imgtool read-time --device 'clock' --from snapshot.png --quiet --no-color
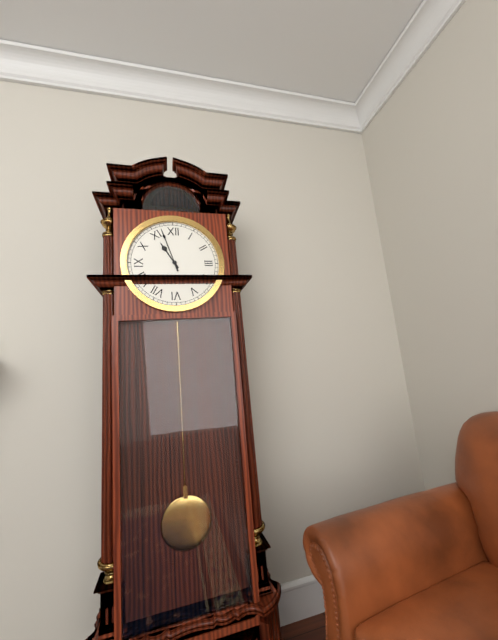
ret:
10:57
